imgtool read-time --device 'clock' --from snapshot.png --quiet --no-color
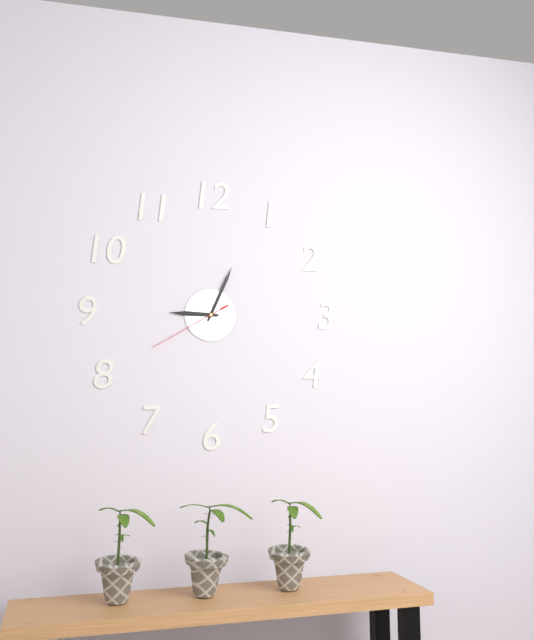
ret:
9:04:40
